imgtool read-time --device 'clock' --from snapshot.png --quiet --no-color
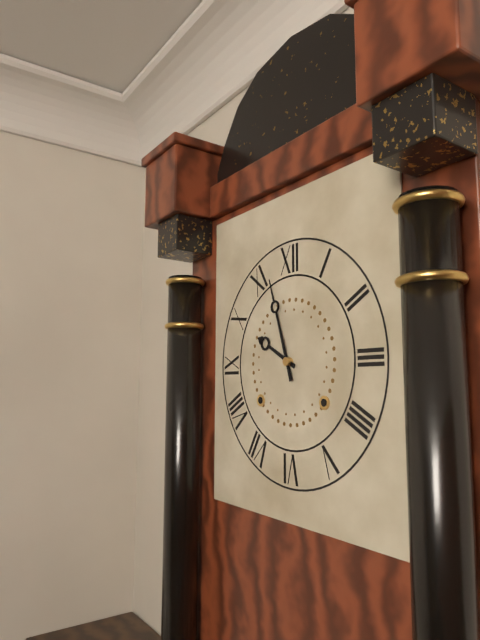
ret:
9:57
